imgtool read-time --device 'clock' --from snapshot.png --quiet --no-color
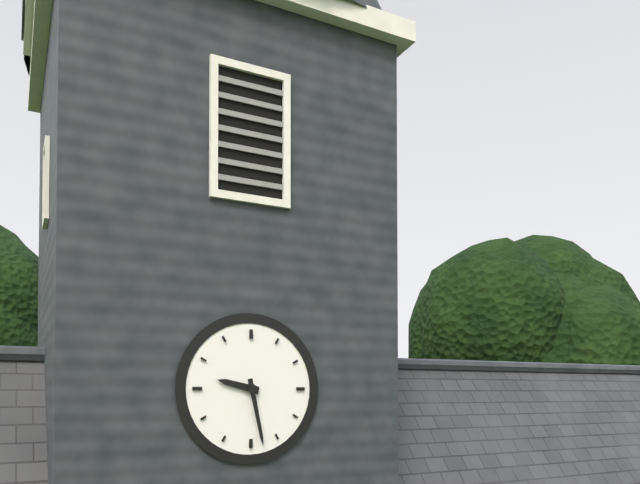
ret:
9:28
